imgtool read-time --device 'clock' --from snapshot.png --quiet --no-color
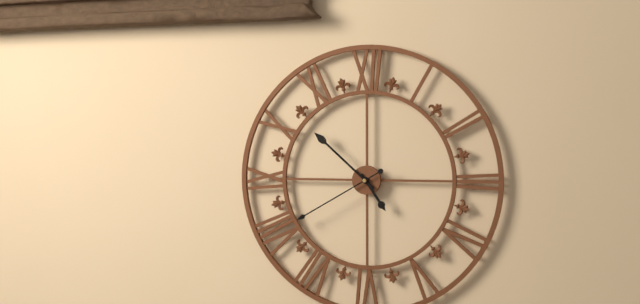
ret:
4:52:40
